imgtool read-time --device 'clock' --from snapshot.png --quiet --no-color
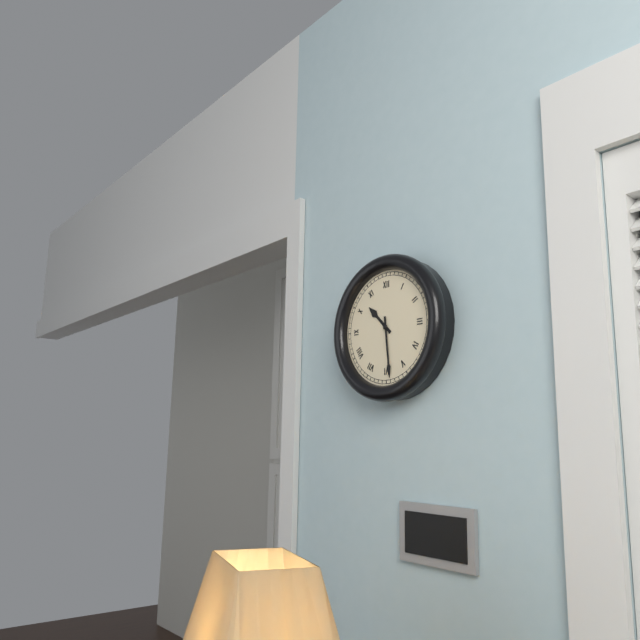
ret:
10:29
